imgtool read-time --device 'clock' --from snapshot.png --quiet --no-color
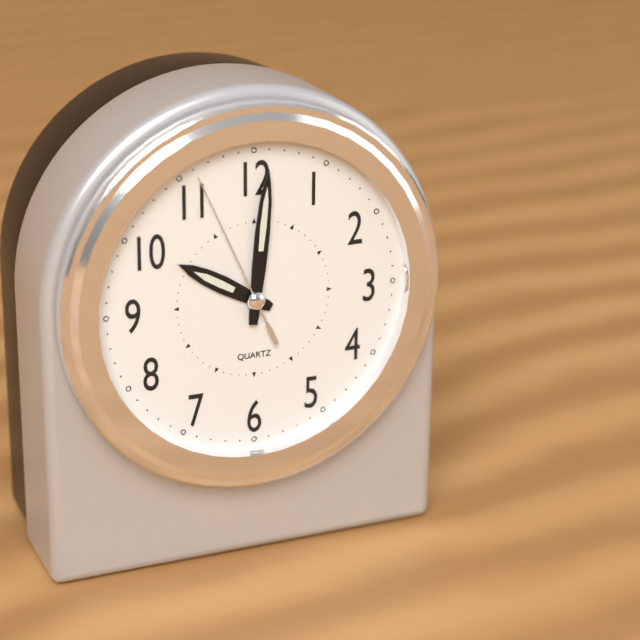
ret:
10:01:56
